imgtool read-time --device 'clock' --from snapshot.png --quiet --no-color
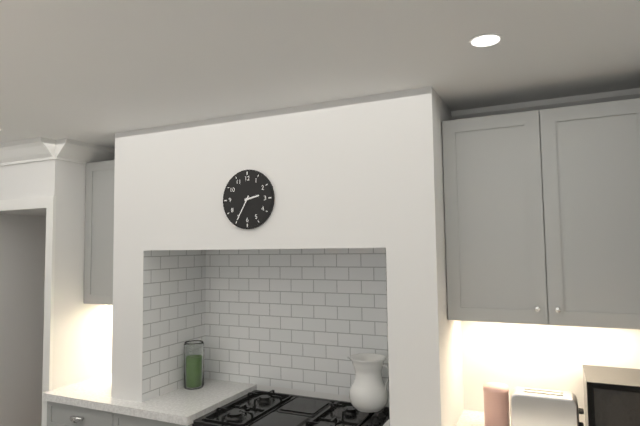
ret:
2:35
